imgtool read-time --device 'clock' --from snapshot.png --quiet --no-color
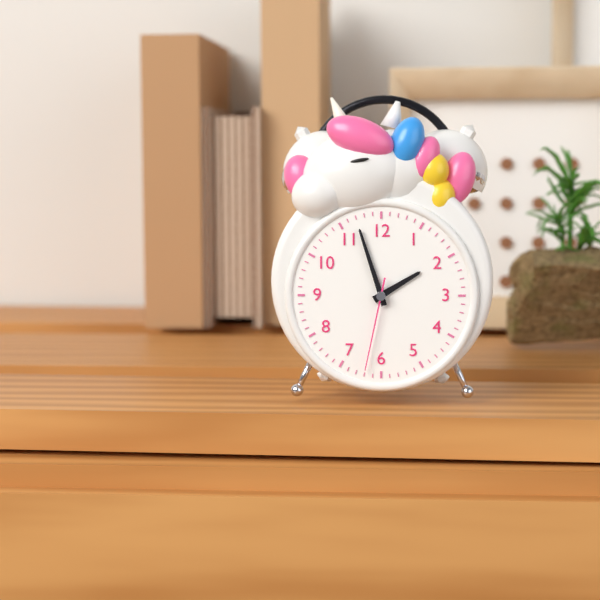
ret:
1:57:32
